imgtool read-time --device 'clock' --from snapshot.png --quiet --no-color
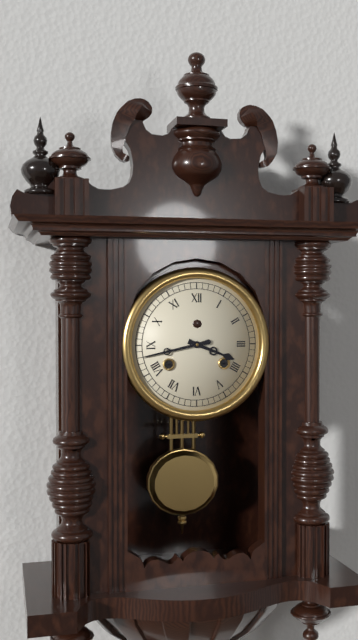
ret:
3:43
